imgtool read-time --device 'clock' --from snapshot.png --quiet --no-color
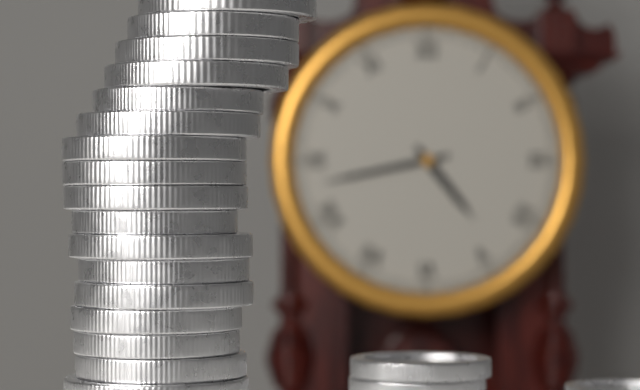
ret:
4:43
